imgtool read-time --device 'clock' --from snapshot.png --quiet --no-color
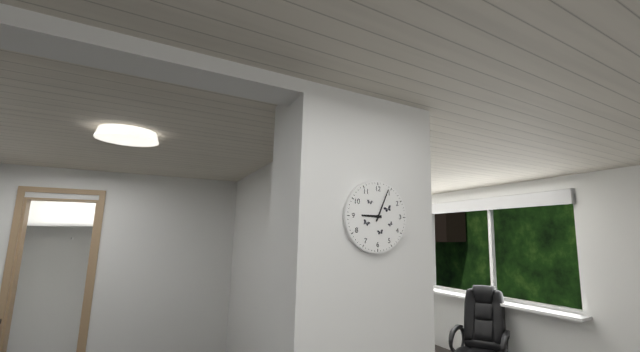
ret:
9:04
